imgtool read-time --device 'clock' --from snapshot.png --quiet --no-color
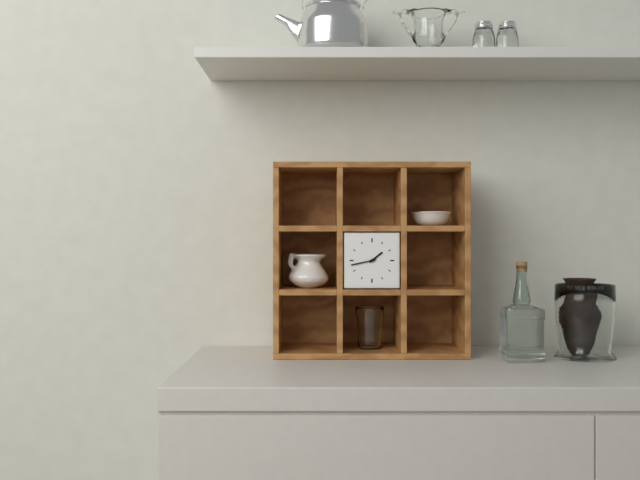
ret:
1:43
